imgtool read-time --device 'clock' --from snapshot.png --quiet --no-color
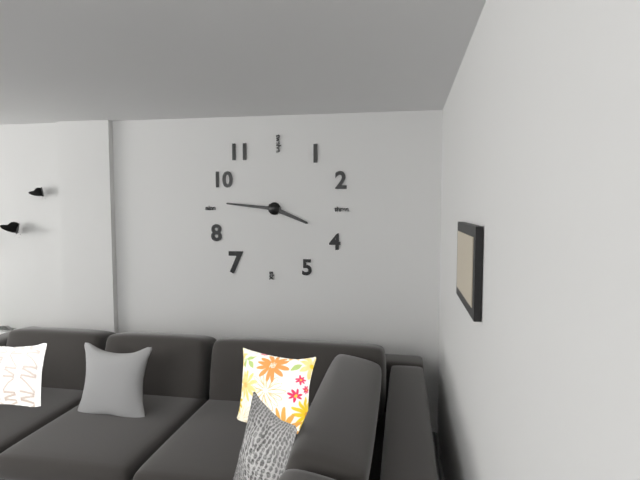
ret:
3:46
